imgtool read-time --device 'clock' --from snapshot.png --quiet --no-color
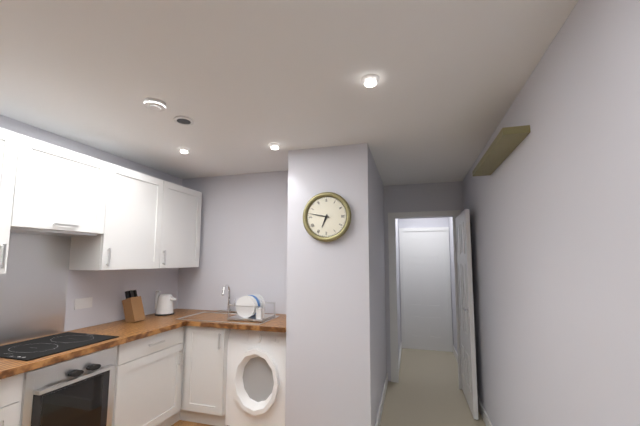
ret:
6:47
